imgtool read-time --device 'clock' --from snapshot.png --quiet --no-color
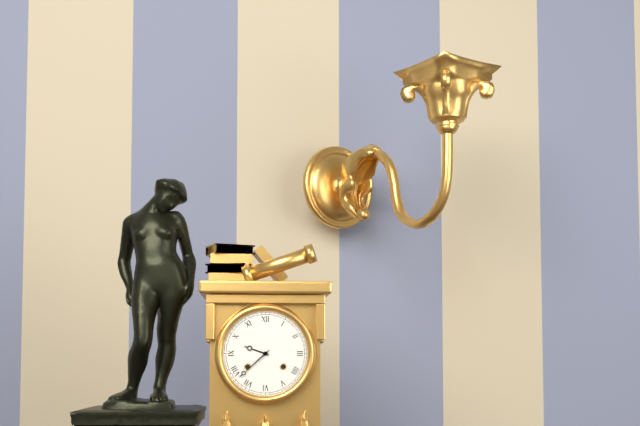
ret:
9:38
